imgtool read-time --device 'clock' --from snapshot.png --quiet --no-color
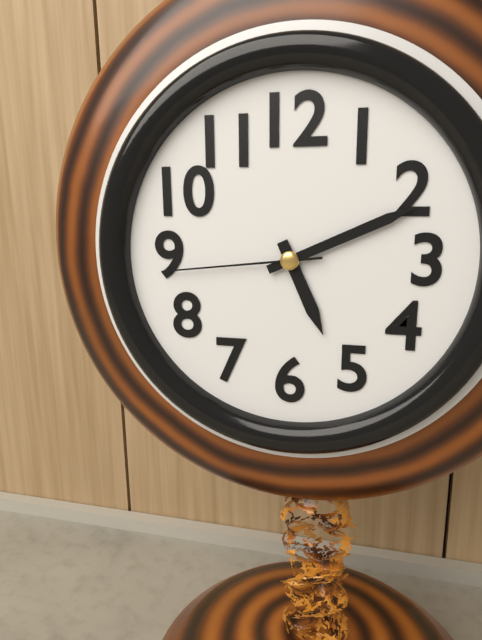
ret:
5:11:44
